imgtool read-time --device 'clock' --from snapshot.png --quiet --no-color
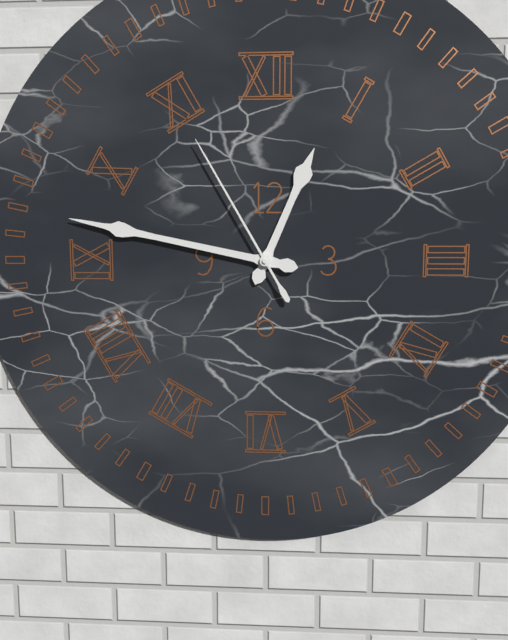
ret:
12:47:55
